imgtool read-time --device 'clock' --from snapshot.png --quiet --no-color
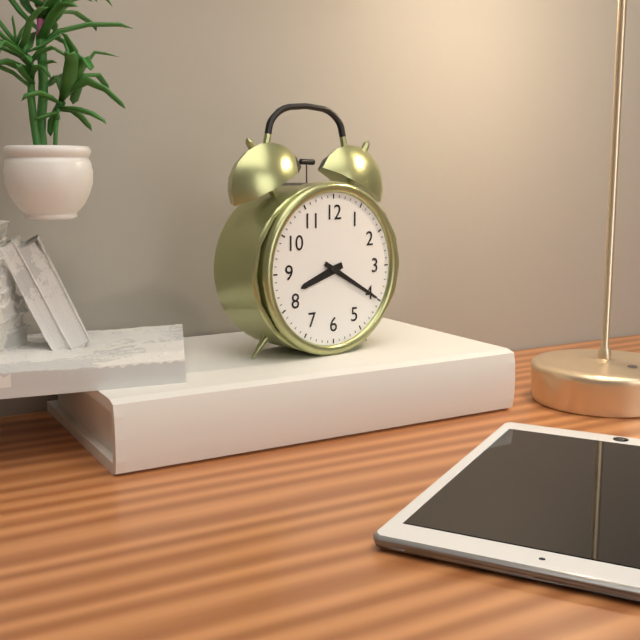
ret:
8:20
